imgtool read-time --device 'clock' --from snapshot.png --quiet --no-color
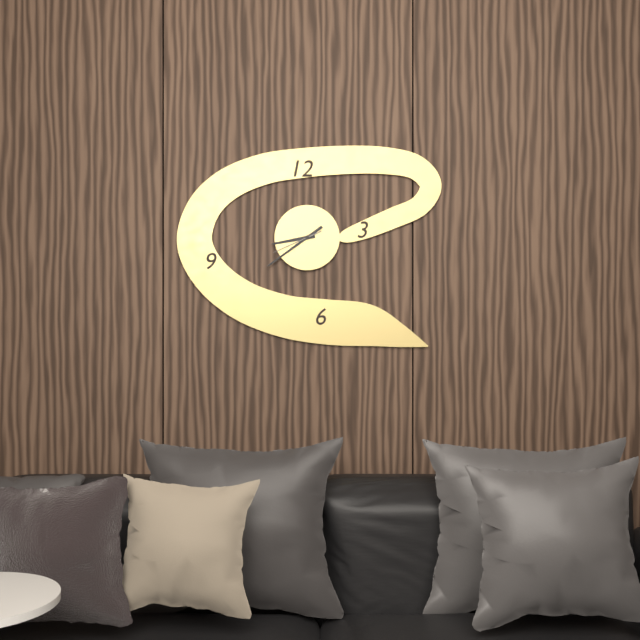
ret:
8:39
